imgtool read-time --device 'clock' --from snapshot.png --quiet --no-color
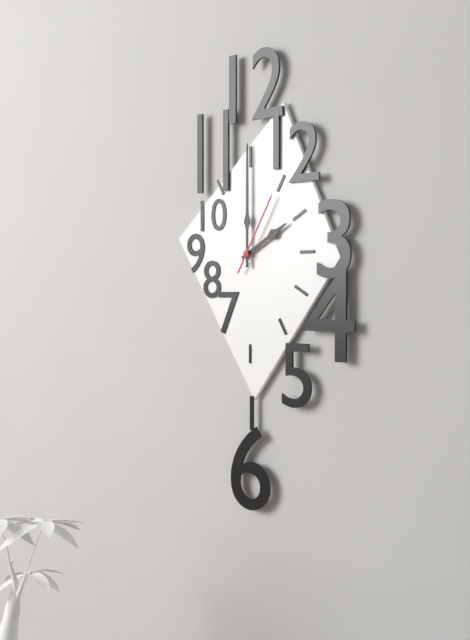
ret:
2:00:05
